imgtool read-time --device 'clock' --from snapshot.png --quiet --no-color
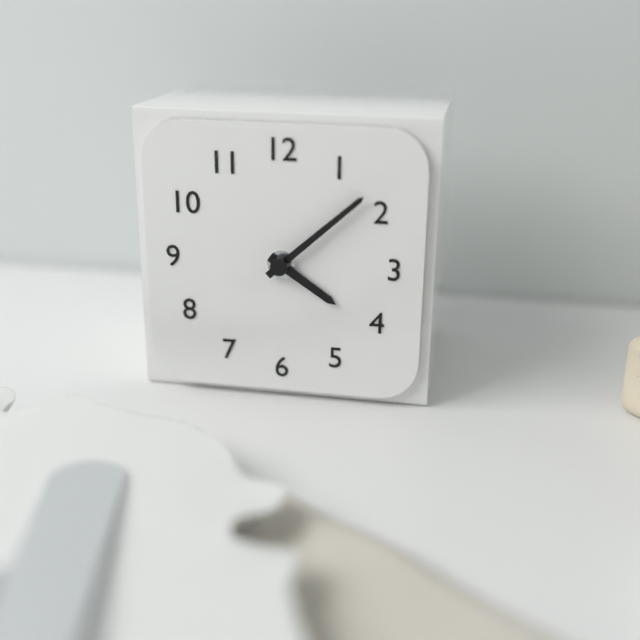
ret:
4:08
